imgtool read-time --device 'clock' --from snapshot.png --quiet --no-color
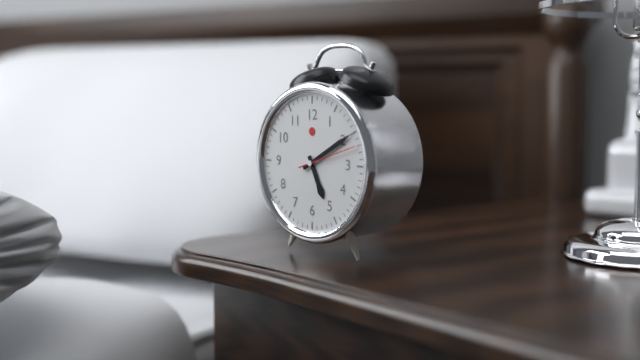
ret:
5:10:12
